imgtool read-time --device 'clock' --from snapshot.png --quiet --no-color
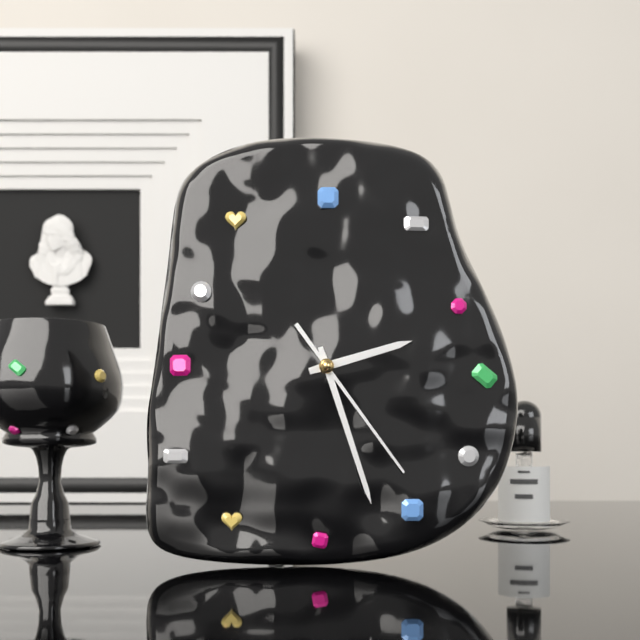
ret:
2:27:24
